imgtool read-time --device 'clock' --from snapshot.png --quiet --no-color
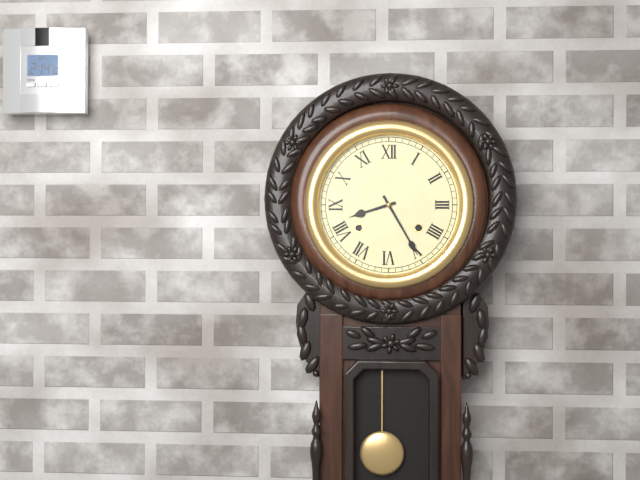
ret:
8:25
